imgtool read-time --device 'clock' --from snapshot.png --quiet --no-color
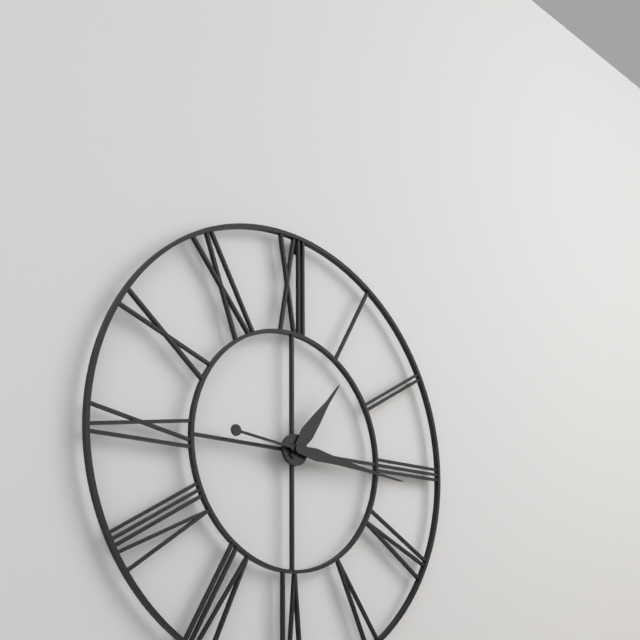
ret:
1:16
